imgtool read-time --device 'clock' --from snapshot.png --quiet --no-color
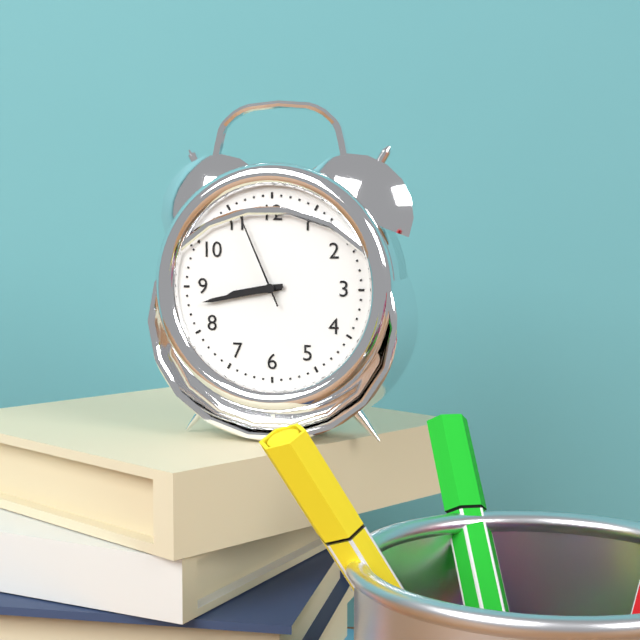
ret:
8:43:56
